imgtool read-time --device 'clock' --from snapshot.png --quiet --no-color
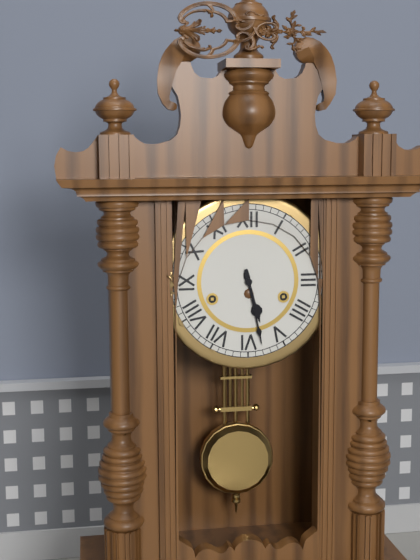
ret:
5:28
